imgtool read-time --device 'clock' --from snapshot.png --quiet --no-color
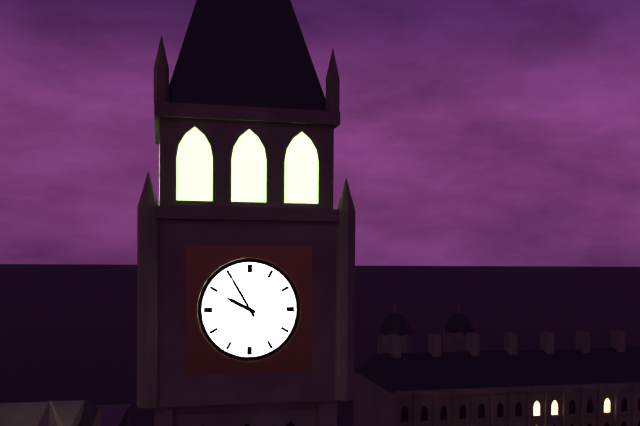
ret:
9:55
